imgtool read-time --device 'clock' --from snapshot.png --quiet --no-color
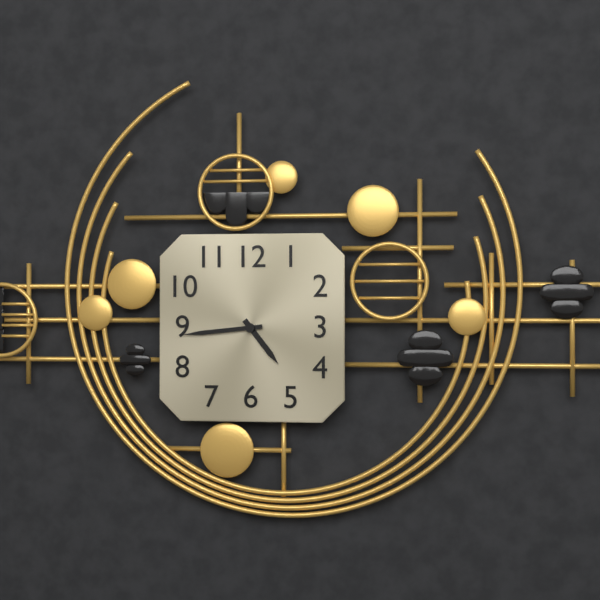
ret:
4:44
